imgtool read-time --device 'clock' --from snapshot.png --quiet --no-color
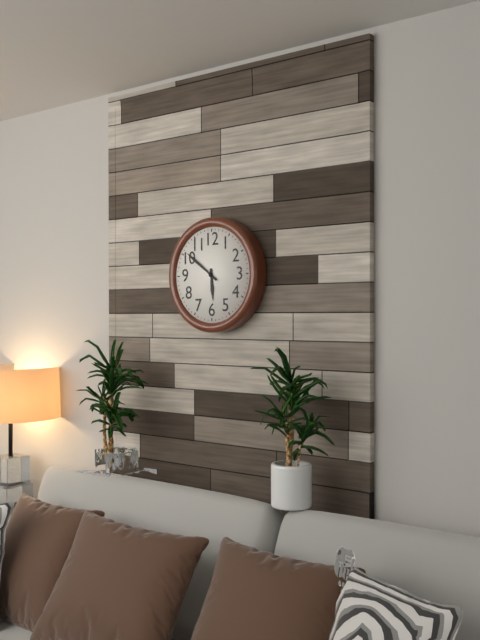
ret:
5:51
